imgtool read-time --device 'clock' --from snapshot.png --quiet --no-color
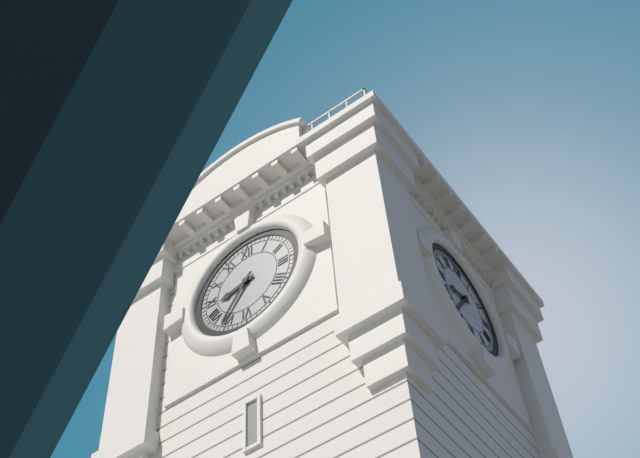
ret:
8:36
